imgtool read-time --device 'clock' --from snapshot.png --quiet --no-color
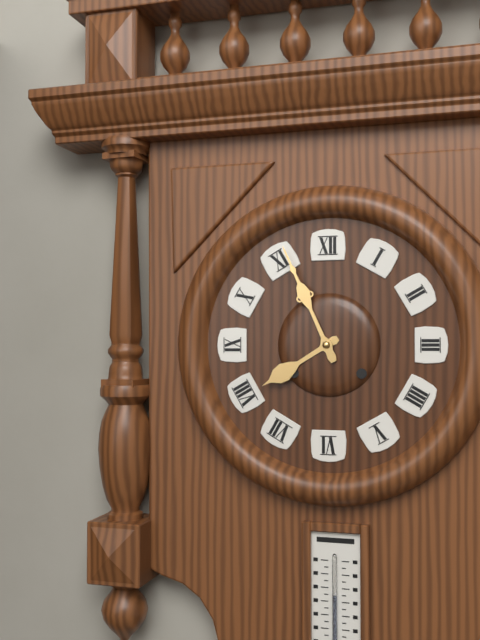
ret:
7:56
